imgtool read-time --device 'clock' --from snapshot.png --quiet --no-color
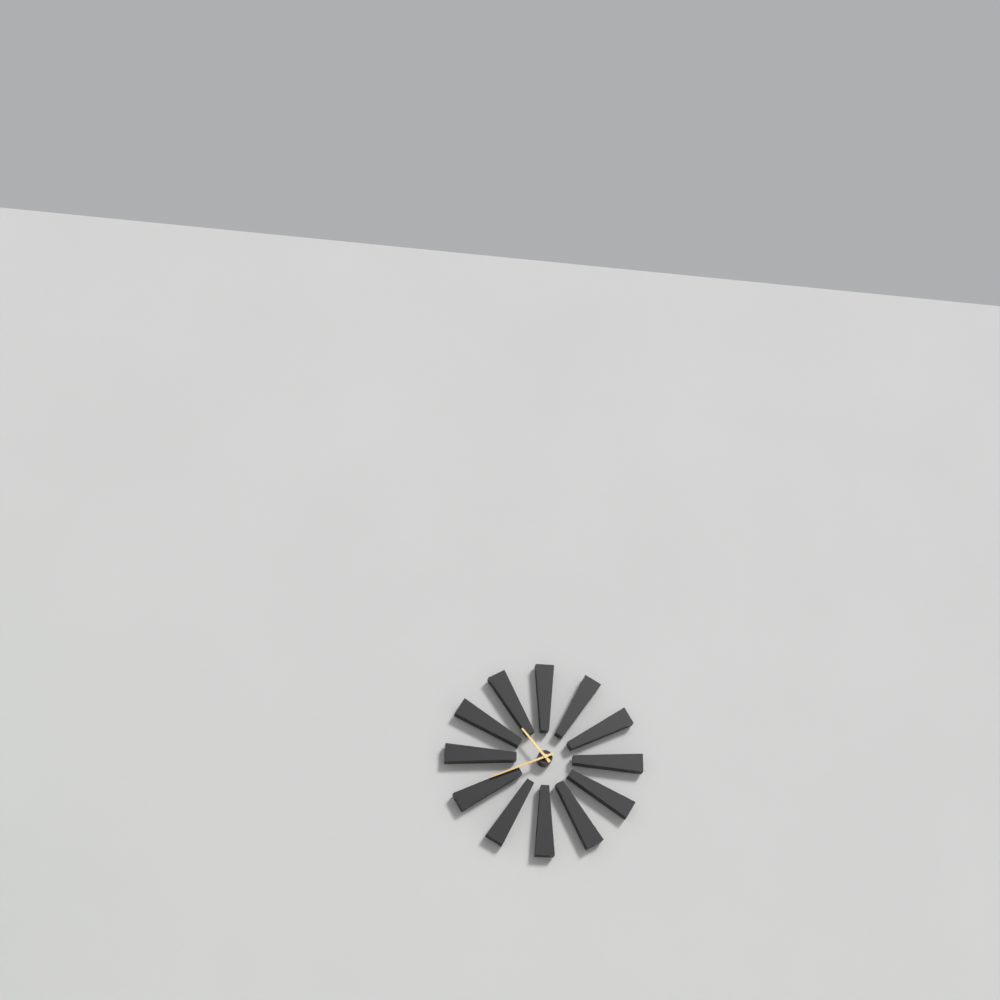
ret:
10:41
